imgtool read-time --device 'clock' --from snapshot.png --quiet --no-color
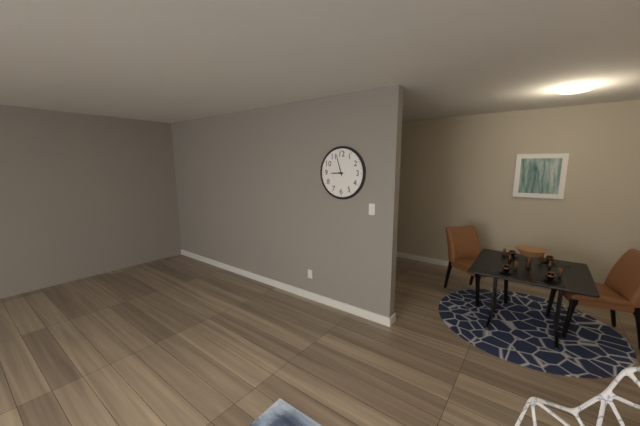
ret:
8:57
